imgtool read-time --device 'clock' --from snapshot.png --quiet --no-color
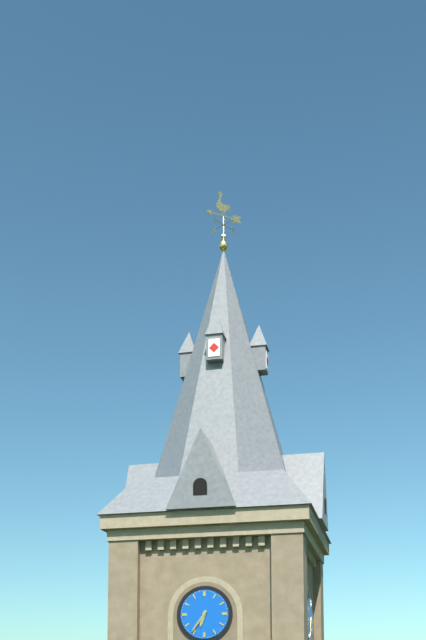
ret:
6:36
